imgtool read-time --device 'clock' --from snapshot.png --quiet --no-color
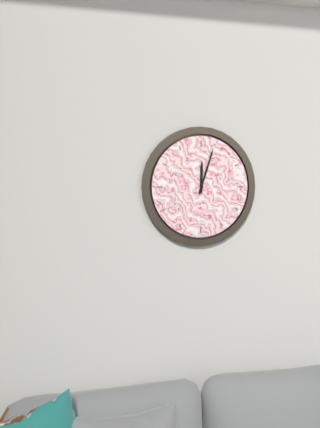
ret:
12:03
